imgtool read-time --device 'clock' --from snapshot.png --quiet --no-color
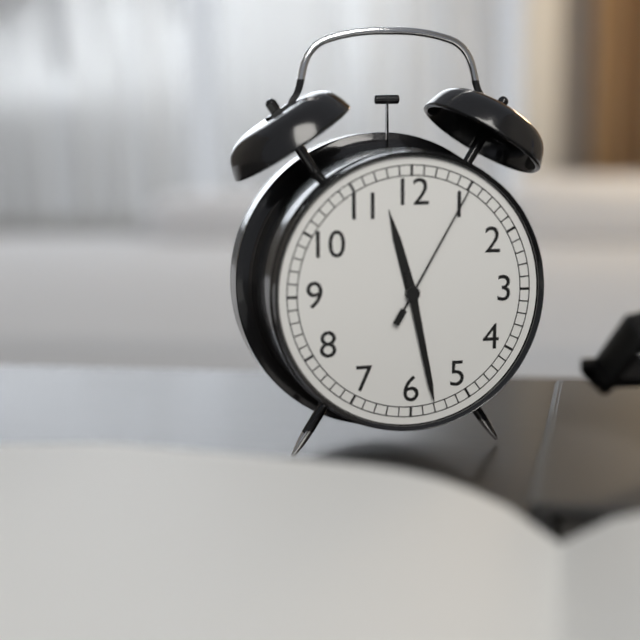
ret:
11:28:05
